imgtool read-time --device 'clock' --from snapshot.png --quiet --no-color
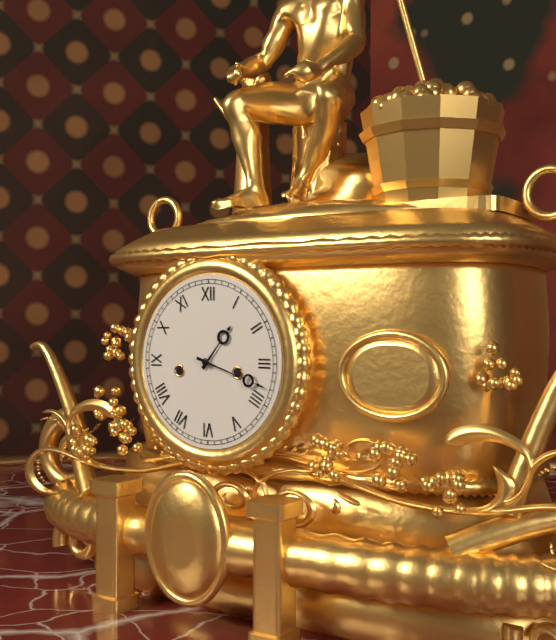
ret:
1:18
